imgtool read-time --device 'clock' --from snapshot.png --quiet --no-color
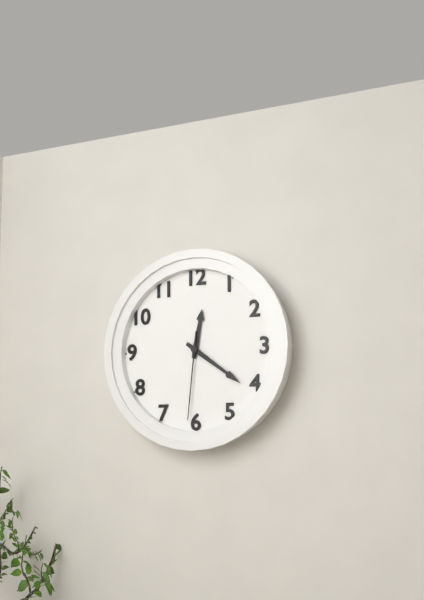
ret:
12:21:31
